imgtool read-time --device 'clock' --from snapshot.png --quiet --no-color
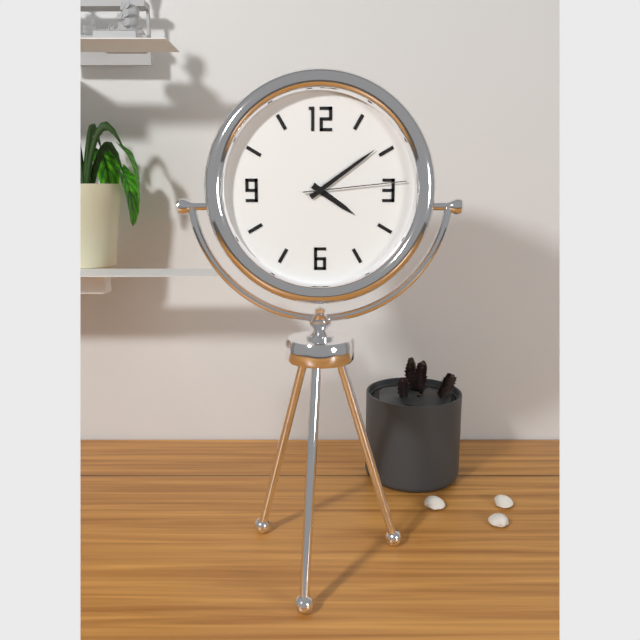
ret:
4:09:14
